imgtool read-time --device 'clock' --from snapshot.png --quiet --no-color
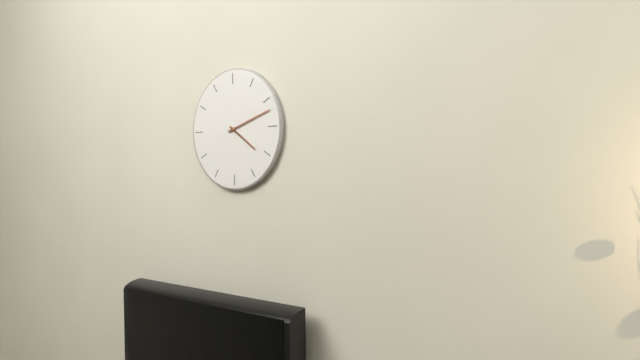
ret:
4:12
